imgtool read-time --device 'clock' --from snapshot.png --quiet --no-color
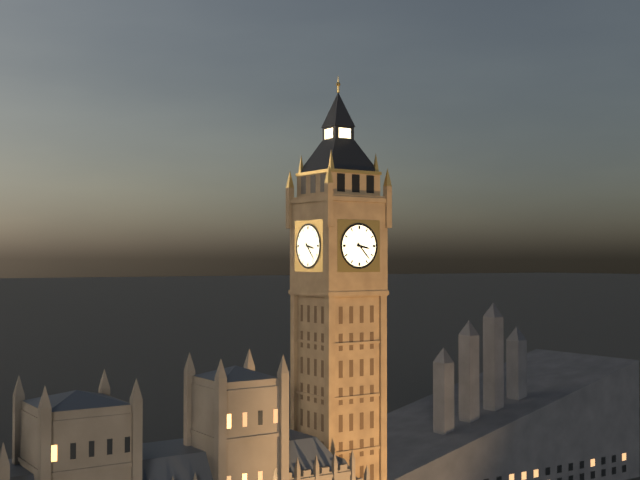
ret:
3:23
